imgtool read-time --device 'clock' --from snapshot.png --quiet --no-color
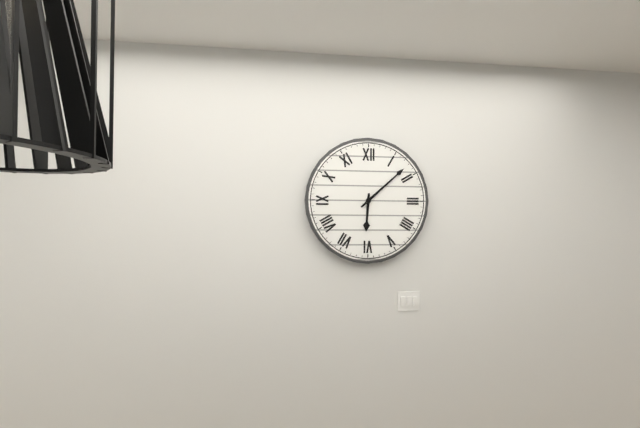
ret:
6:08
